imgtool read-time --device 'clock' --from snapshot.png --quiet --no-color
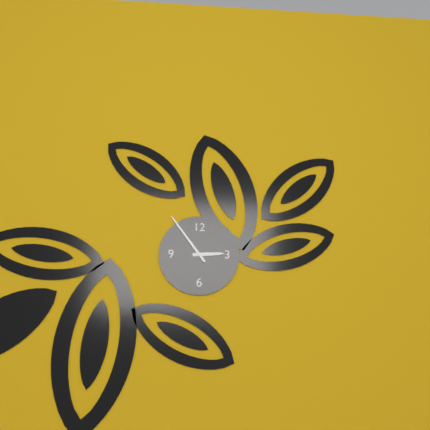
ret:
2:54
